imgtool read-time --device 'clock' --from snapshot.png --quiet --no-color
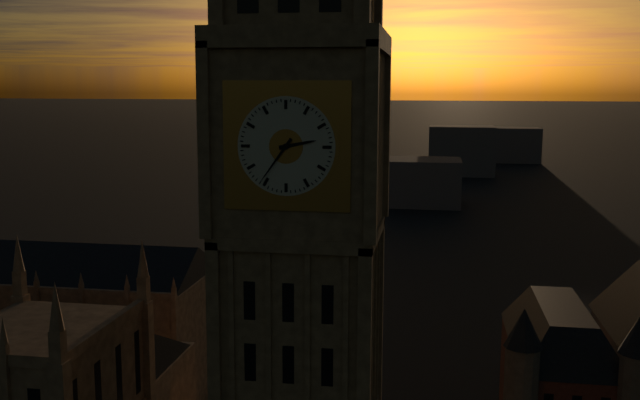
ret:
2:36
